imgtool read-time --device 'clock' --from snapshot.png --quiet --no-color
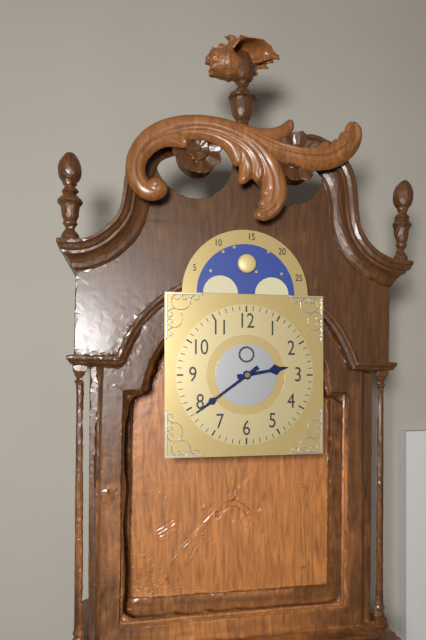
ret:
2:39
